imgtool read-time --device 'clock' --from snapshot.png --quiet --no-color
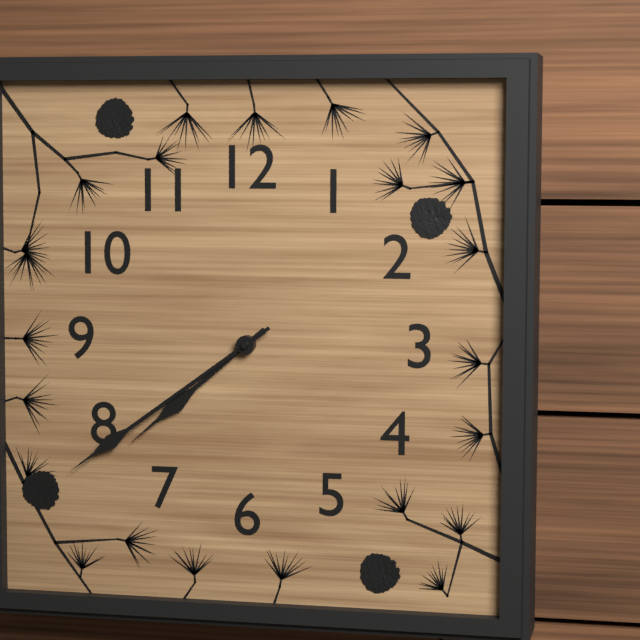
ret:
7:39
